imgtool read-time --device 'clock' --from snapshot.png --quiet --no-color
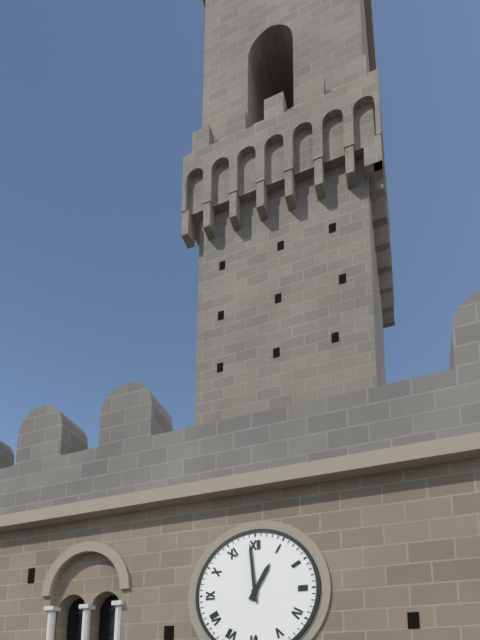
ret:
12:59
